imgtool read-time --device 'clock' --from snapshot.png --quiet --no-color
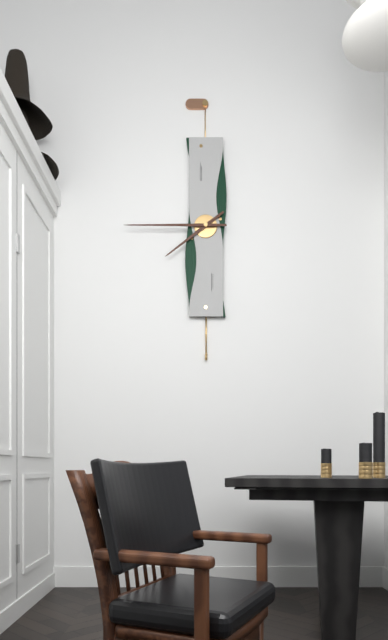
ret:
7:45
